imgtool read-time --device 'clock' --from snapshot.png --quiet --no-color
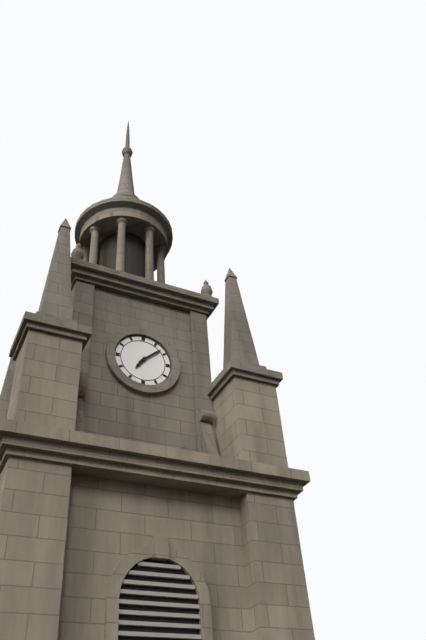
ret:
7:08
